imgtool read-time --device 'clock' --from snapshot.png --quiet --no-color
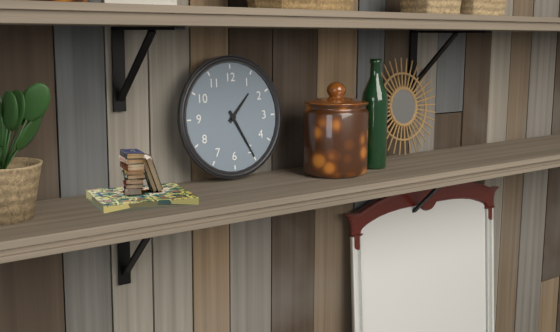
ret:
1:25
